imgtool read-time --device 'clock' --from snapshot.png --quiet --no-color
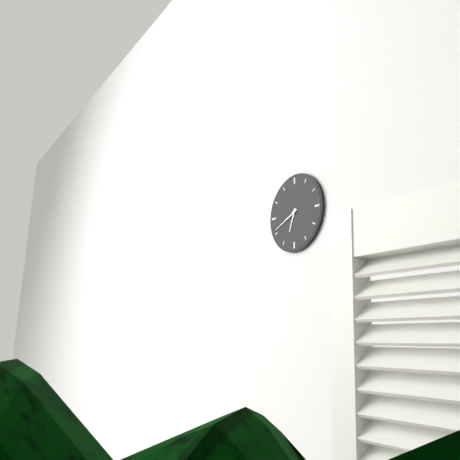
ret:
6:41
